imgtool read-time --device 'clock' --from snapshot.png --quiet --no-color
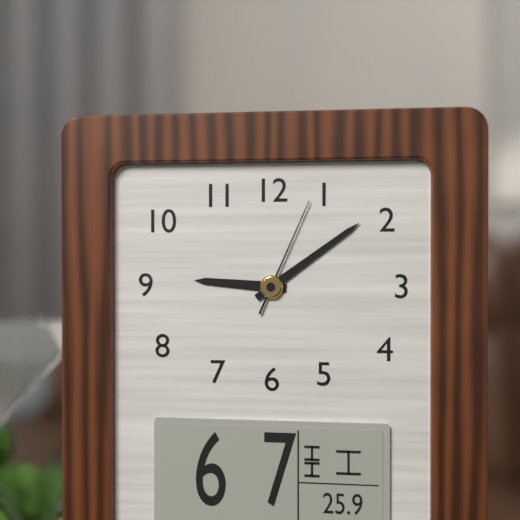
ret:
9:09:04
